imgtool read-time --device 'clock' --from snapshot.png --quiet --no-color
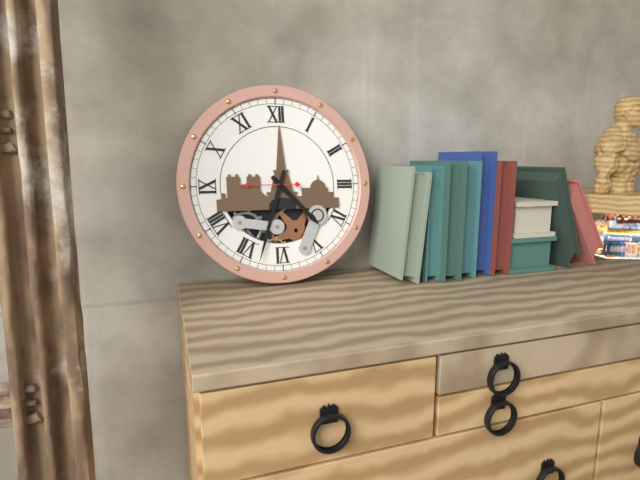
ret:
4:33:45
